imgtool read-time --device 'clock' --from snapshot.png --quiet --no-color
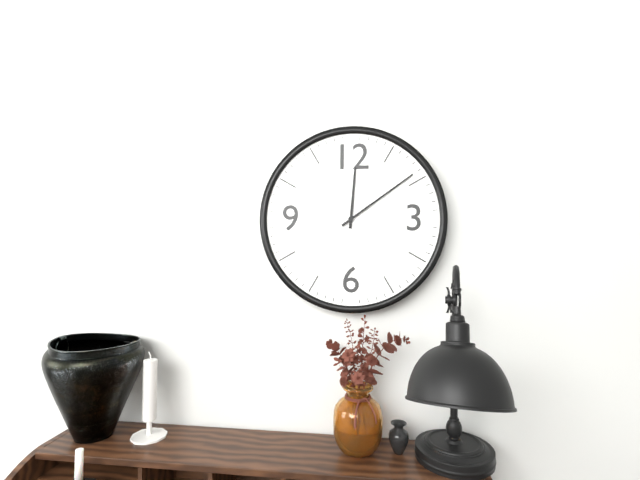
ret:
12:09
